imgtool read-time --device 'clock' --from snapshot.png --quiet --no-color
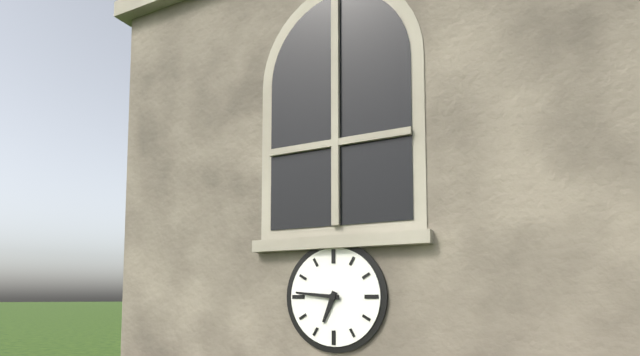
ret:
6:46
